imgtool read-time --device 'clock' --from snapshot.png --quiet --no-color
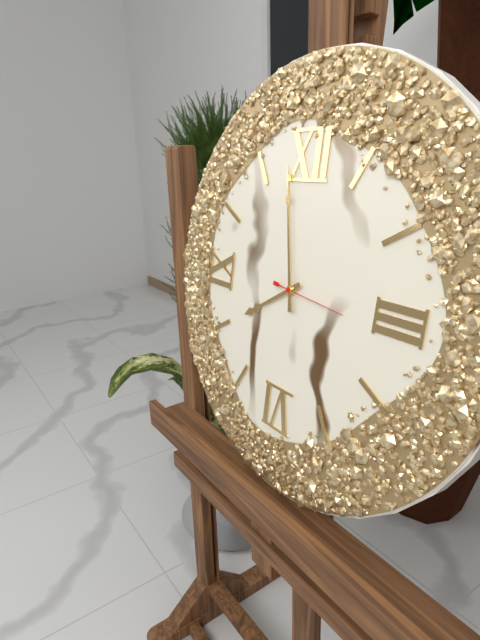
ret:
7:58:16
